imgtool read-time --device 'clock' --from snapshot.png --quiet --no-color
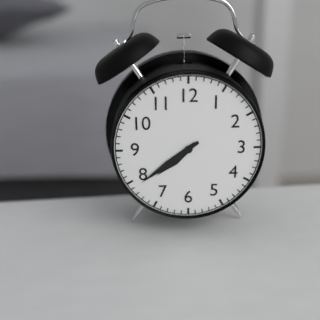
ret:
7:39
